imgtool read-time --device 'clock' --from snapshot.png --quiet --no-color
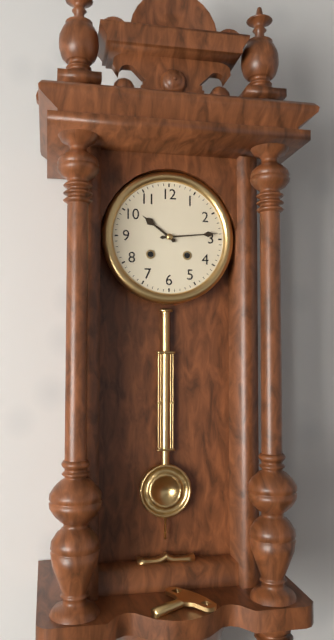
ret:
10:14
